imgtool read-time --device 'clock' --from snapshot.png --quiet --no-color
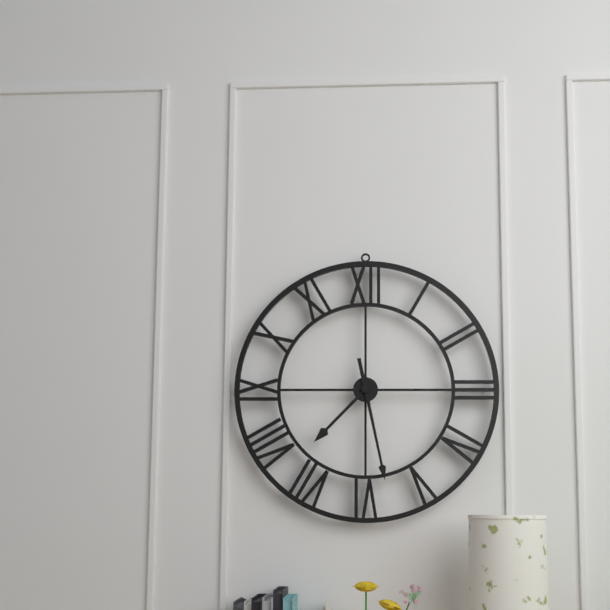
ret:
7:28
